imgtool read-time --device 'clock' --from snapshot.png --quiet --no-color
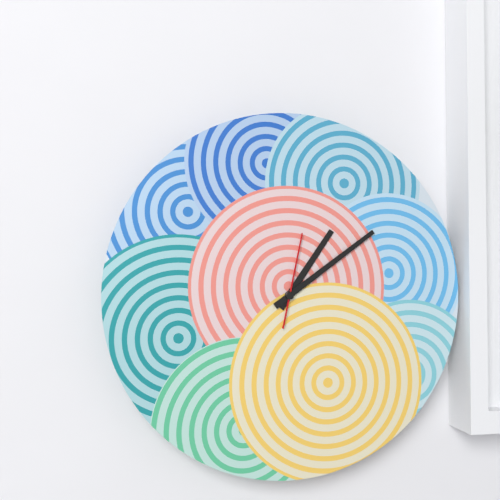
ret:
1:09:02
